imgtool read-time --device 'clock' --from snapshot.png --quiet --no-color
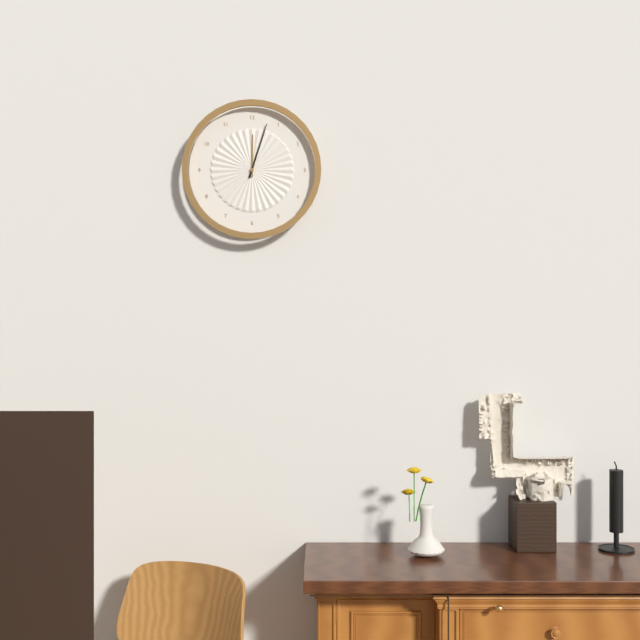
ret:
12:03
